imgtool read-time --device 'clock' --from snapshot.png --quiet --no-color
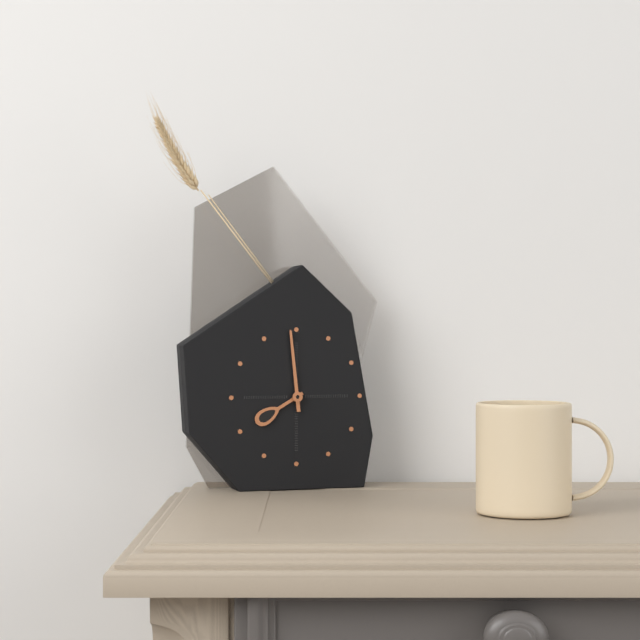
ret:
7:59
